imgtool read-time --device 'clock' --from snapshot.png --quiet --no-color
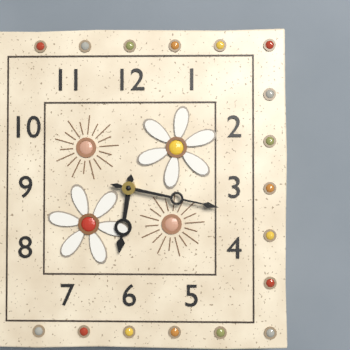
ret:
6:17
